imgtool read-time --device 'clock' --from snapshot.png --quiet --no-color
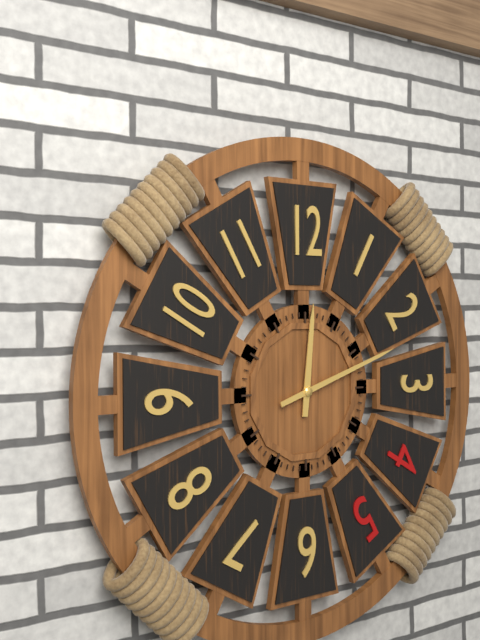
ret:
12:12
